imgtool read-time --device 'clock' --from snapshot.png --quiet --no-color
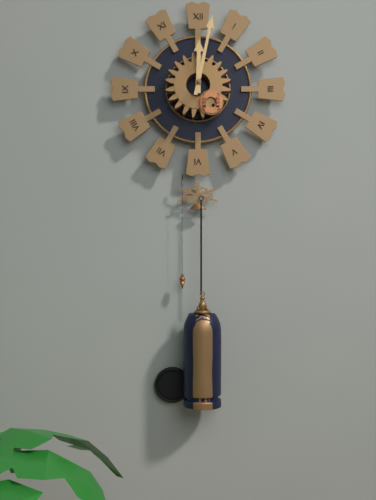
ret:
12:02
